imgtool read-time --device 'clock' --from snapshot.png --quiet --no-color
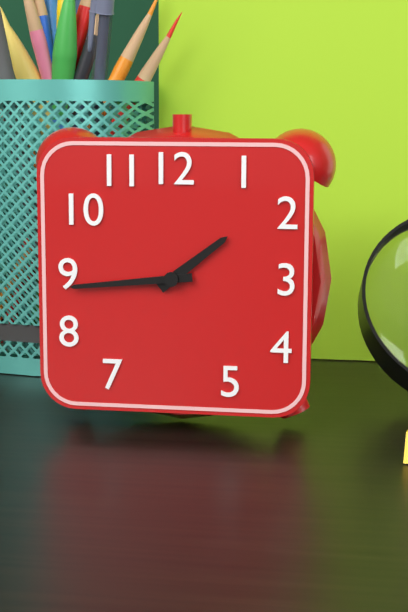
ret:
1:44
